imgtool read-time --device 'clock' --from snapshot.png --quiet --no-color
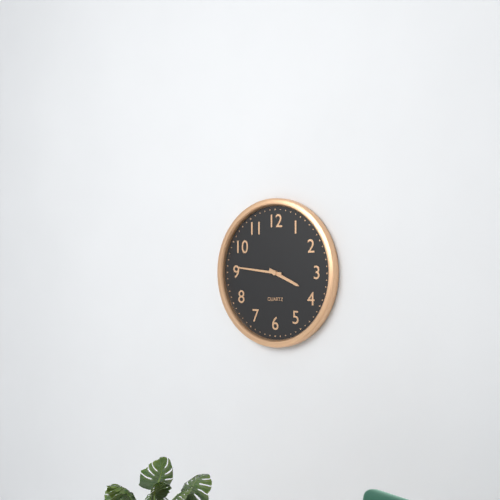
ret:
3:46
